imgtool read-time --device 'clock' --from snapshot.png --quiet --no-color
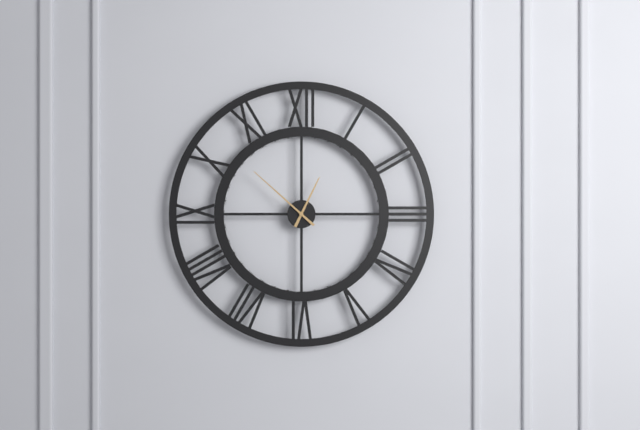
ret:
12:52
